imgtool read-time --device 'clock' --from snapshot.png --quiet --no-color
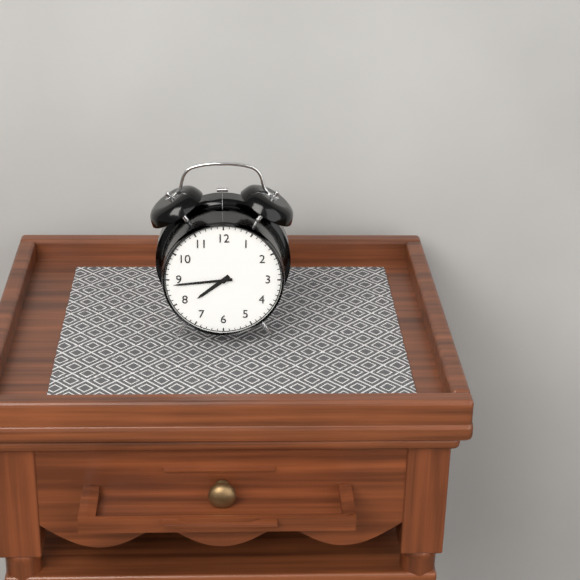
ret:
7:44
